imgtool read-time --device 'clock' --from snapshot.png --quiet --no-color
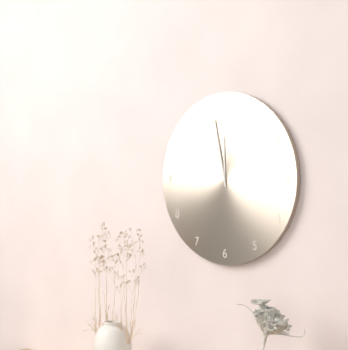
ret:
11:58
